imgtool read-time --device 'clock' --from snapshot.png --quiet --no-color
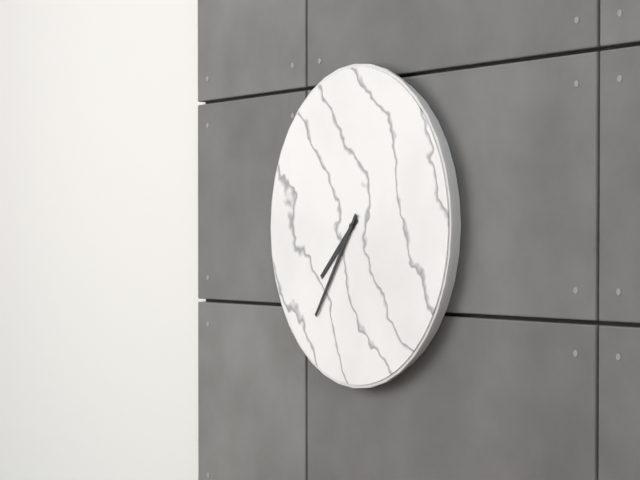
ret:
7:36
